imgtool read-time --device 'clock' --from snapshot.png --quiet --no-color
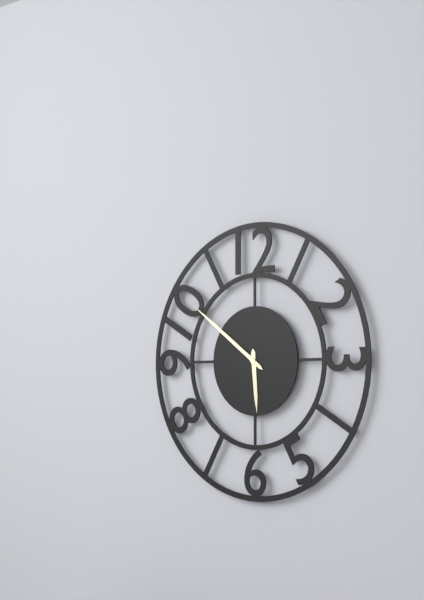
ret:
5:51
